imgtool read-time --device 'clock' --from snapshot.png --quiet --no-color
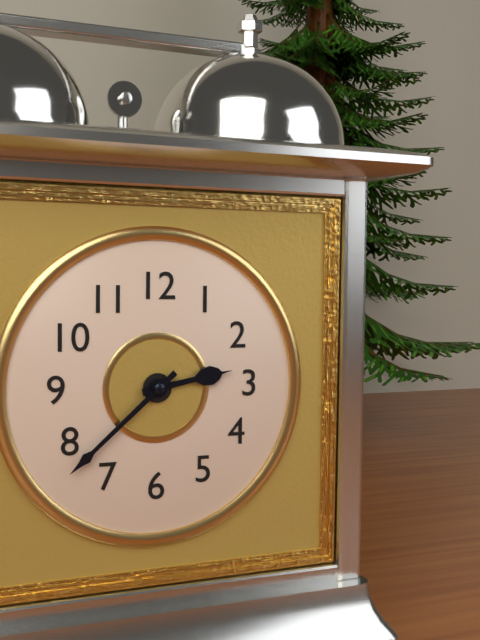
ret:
2:38
